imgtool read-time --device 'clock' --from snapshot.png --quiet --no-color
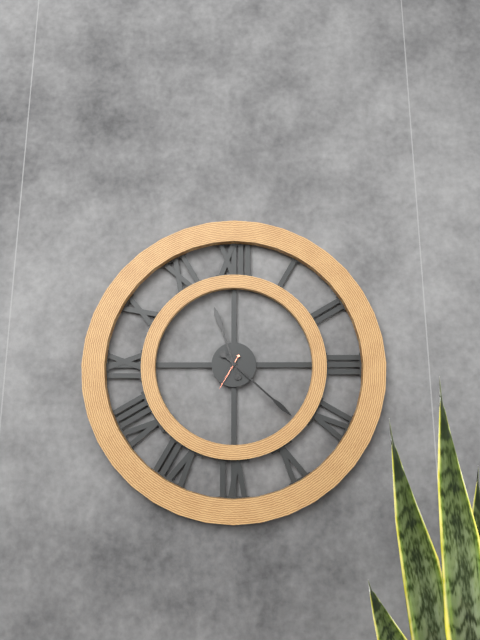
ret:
11:22
